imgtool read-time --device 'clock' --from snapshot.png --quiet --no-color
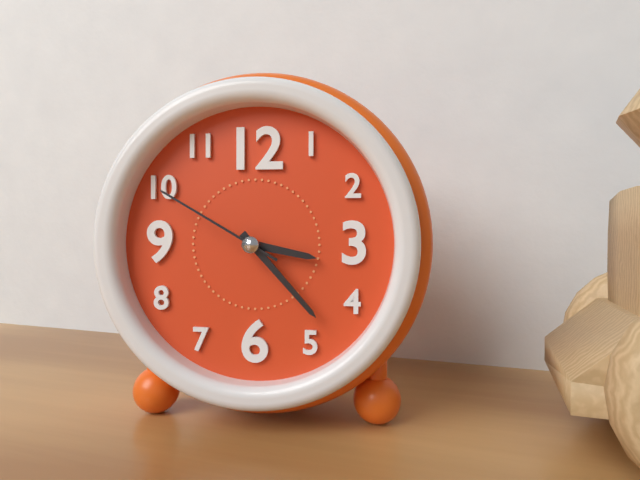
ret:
3:23:50
